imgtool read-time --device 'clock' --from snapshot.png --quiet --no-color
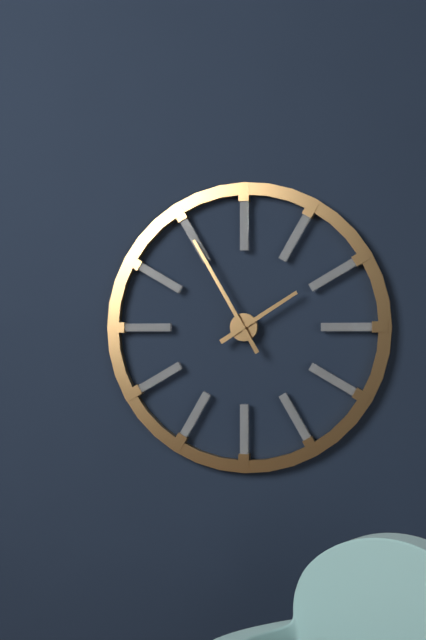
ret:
1:55
